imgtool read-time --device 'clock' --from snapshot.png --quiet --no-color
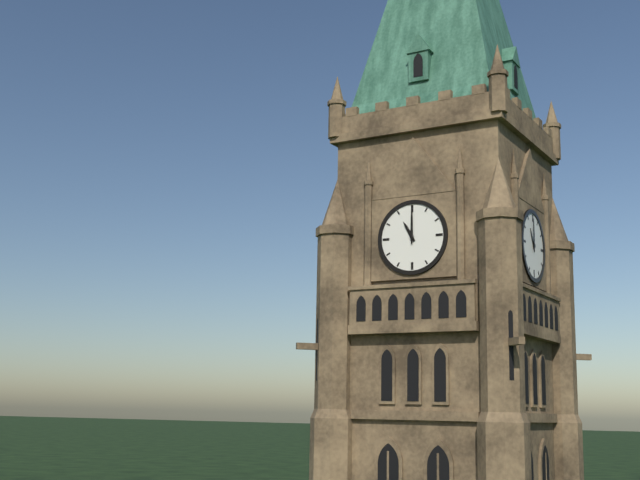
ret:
11:00
